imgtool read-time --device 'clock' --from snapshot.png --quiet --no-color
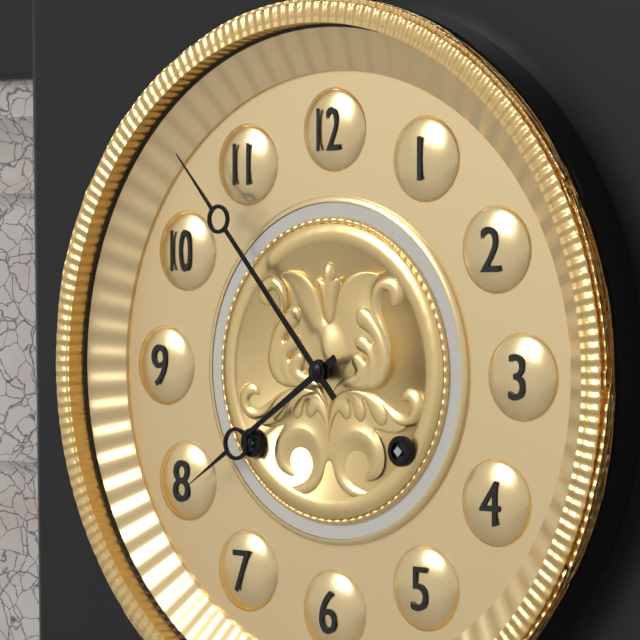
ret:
7:53
